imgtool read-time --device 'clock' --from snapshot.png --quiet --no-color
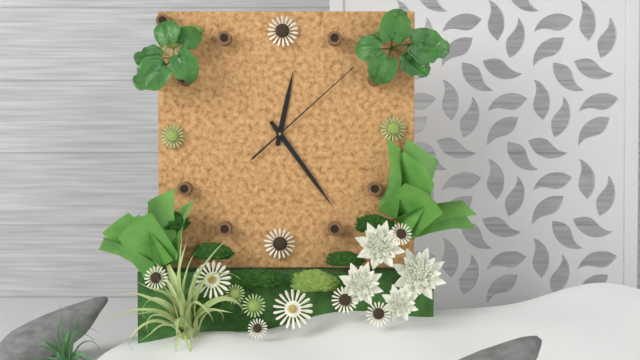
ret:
12:24:08
